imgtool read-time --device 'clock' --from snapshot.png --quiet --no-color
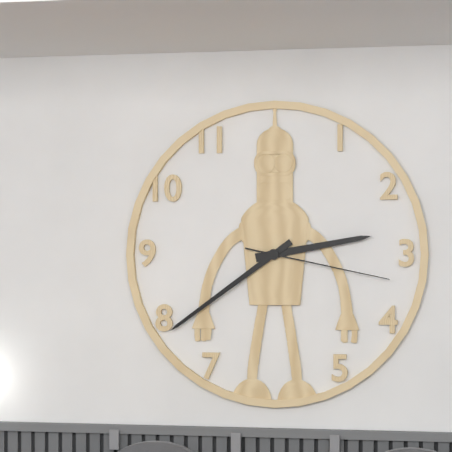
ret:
2:39:17
